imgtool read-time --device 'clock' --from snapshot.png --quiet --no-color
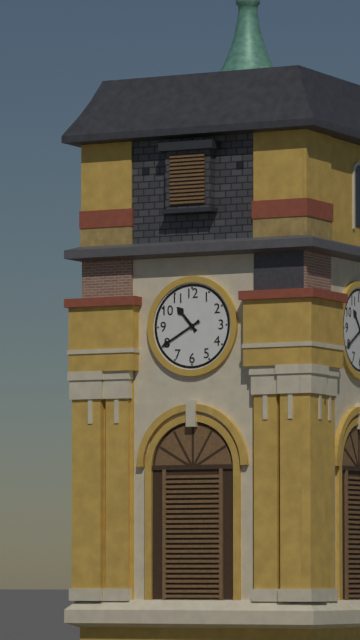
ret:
10:40
